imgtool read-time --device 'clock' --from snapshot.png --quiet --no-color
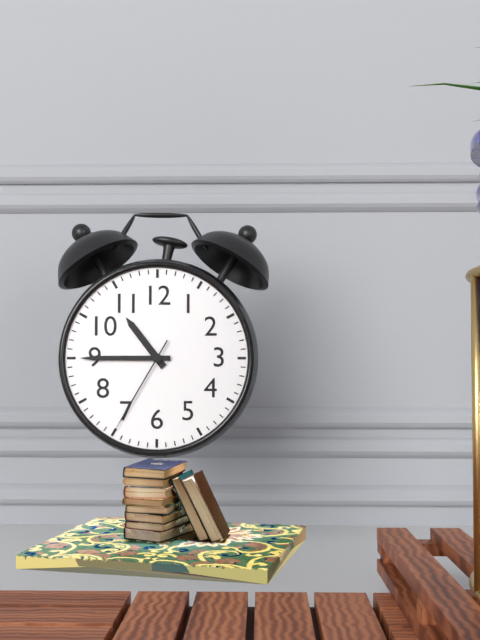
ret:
10:45:35
